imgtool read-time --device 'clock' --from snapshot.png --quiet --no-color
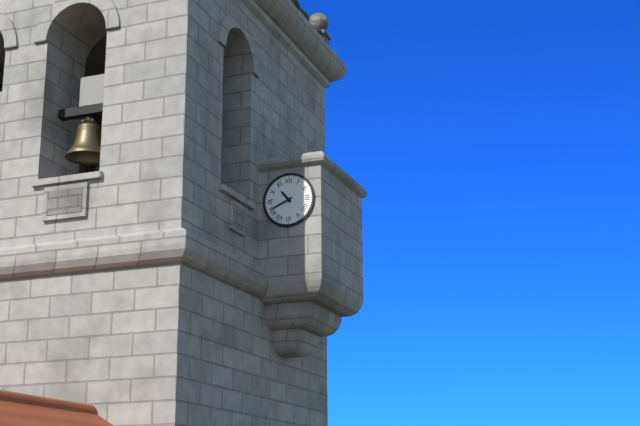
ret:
10:41
